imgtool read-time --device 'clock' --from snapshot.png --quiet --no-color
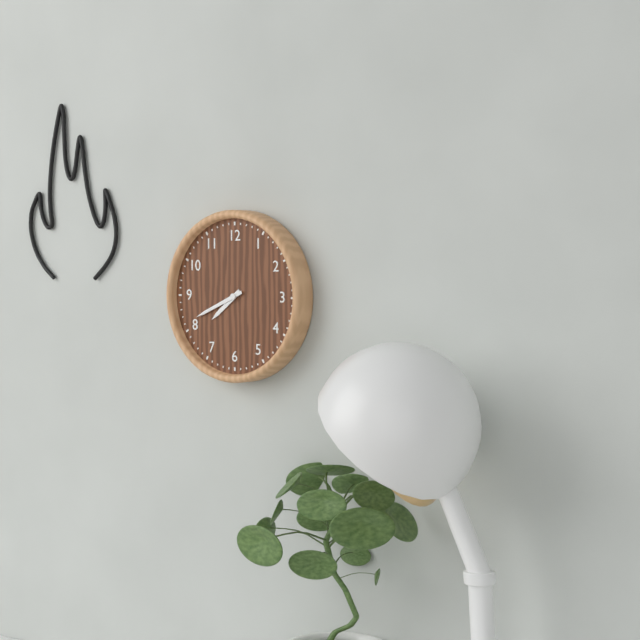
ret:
7:41
